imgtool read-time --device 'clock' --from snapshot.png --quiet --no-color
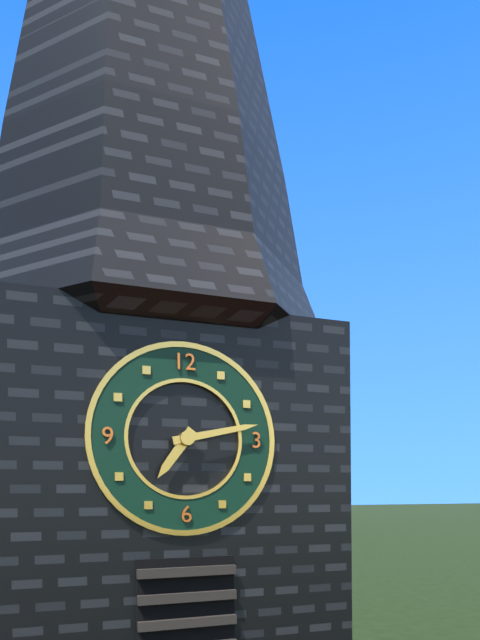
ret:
7:13
